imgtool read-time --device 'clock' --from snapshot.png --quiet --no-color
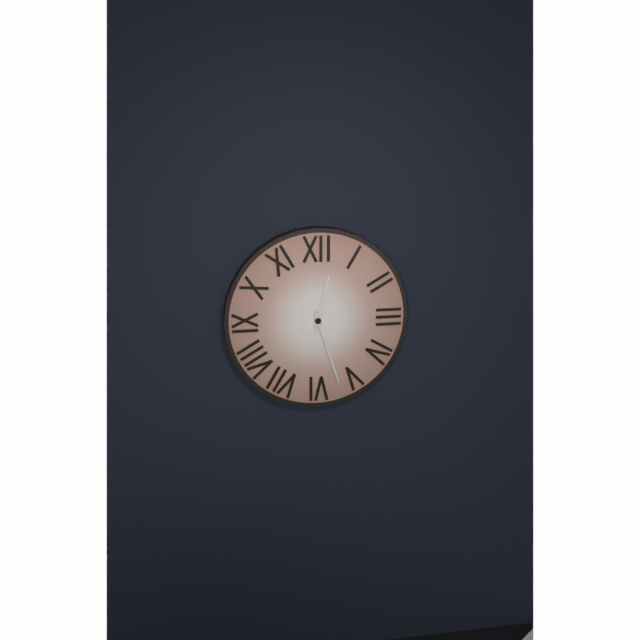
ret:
12:27
